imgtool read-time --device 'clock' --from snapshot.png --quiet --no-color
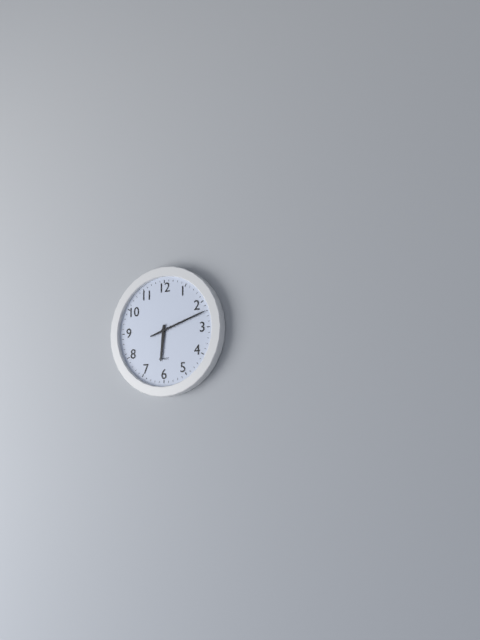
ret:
6:12
